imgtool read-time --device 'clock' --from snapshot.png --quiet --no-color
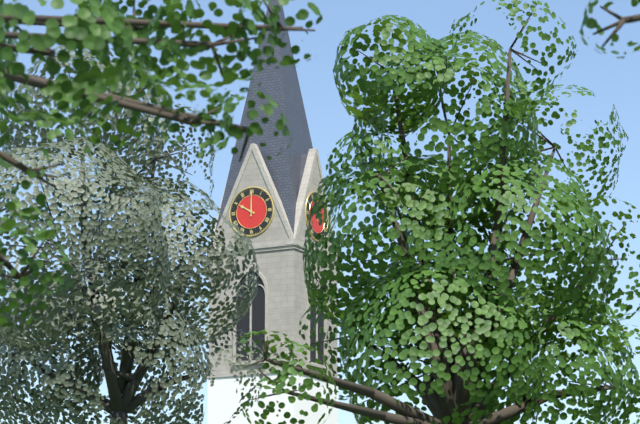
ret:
10:00
